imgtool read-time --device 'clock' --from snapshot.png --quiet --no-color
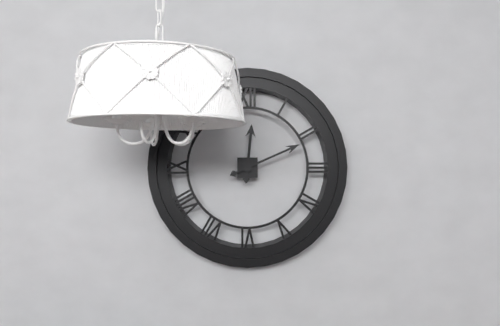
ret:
12:11
